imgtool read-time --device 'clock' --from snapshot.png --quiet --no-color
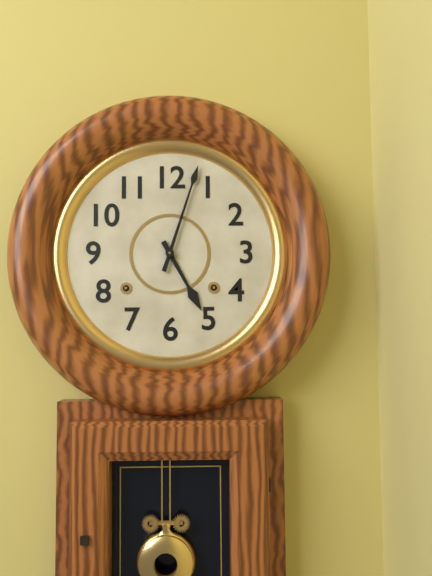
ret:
5:03
